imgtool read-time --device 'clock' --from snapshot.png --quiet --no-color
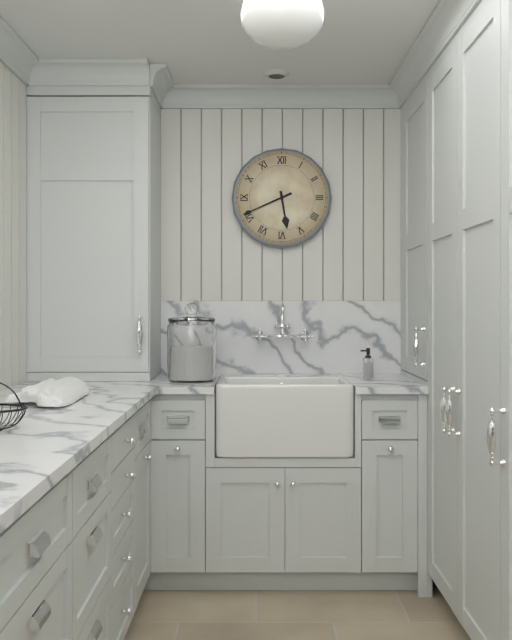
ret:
5:41
